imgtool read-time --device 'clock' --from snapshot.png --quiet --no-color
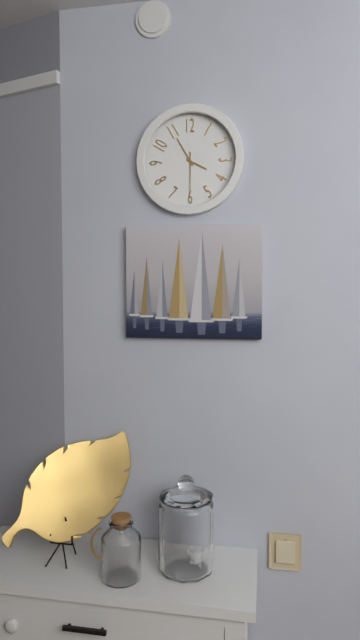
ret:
3:55
